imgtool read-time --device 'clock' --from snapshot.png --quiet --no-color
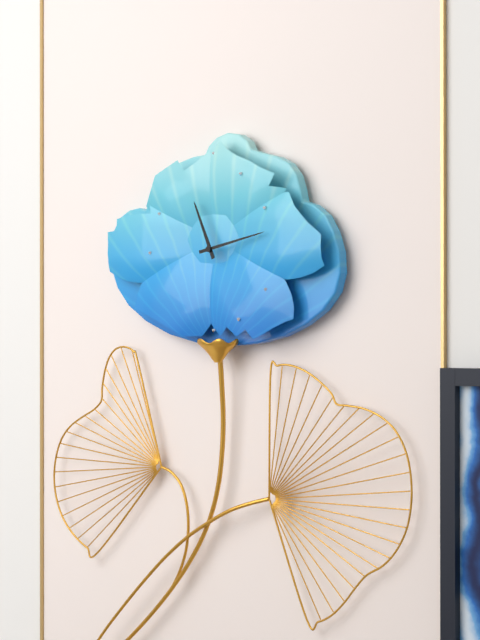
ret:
11:13
